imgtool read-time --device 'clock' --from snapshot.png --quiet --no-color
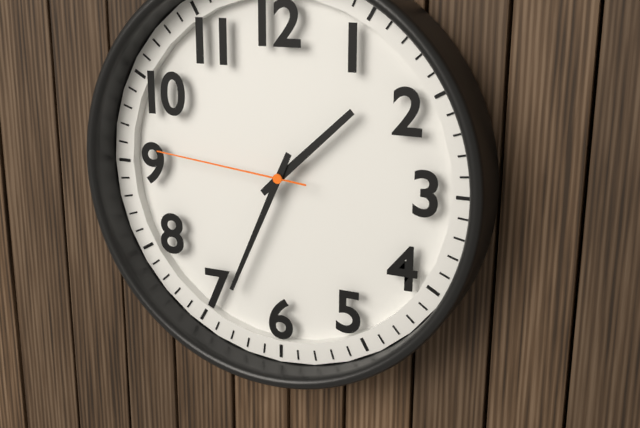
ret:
1:34:46
